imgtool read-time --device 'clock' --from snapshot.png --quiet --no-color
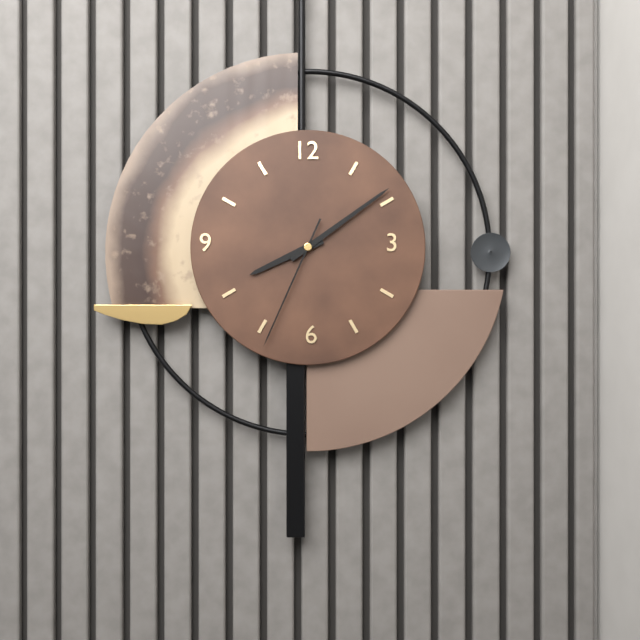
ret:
8:09:34
